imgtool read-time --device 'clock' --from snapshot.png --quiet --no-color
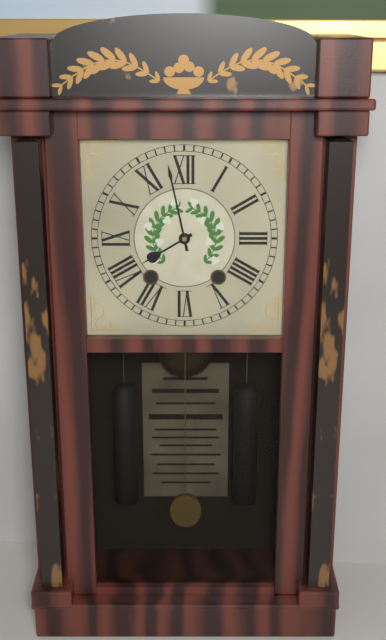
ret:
7:58
